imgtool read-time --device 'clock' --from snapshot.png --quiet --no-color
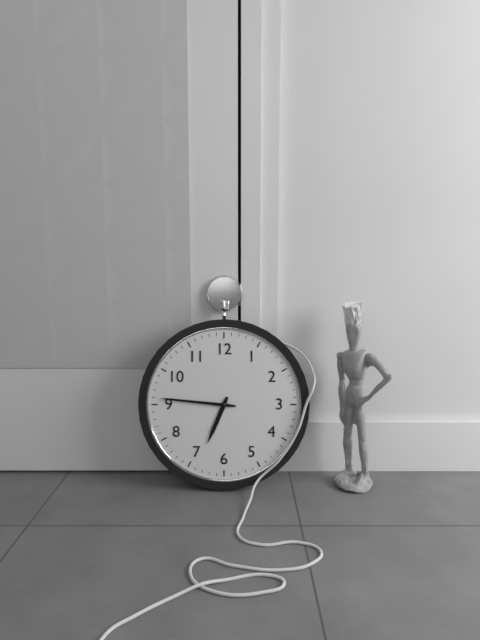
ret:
6:46
